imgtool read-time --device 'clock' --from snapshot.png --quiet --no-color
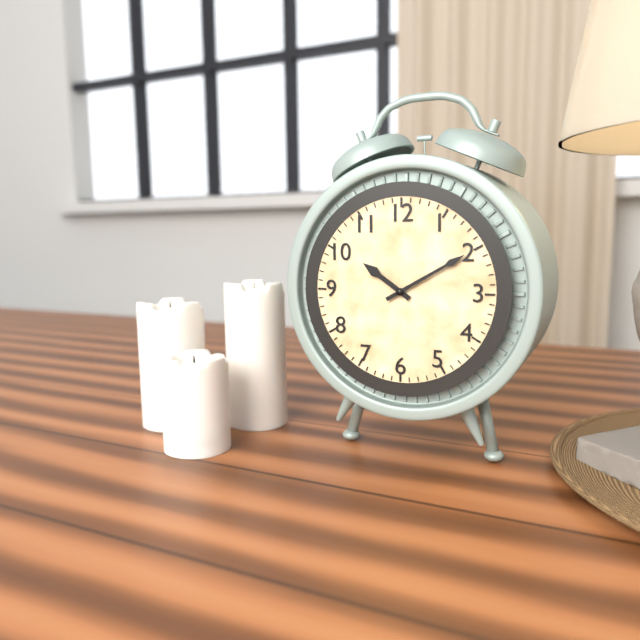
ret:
10:10
